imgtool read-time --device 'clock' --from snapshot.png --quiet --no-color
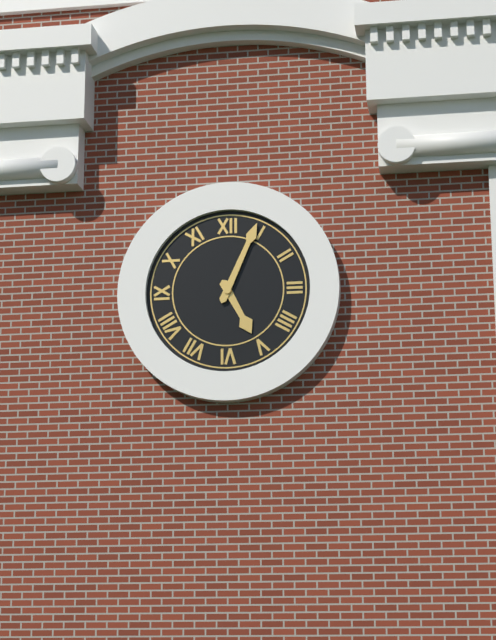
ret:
5:04
